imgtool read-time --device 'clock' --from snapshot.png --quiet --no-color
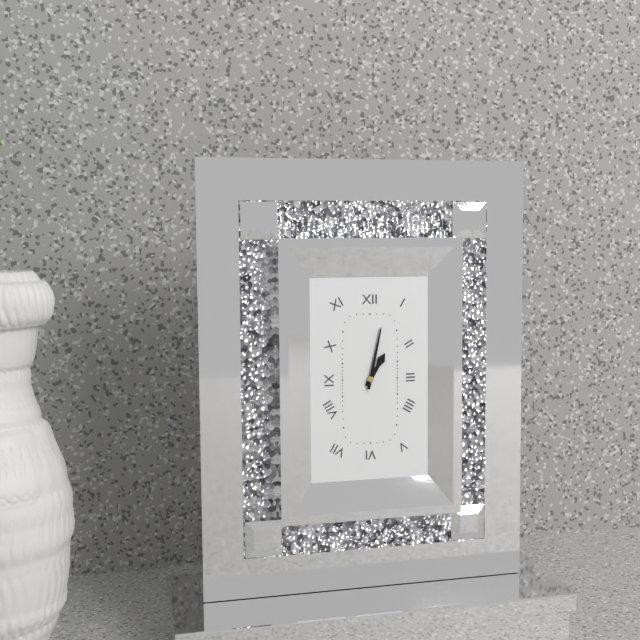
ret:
1:02
